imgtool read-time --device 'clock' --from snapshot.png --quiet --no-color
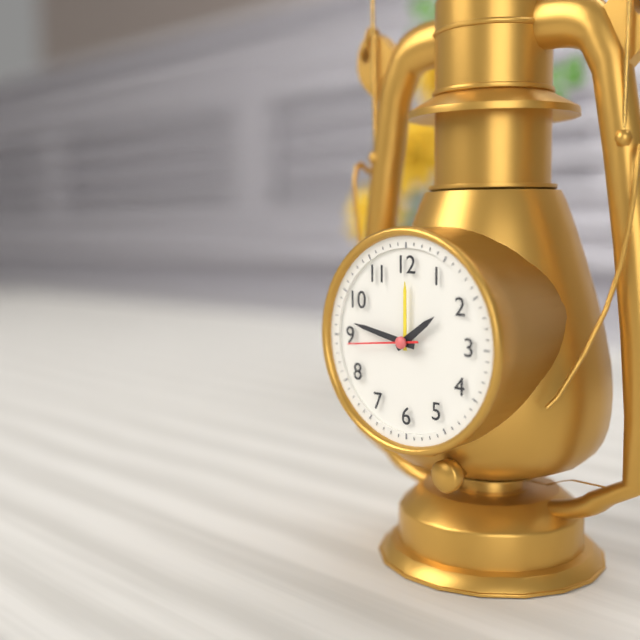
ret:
1:47:44
